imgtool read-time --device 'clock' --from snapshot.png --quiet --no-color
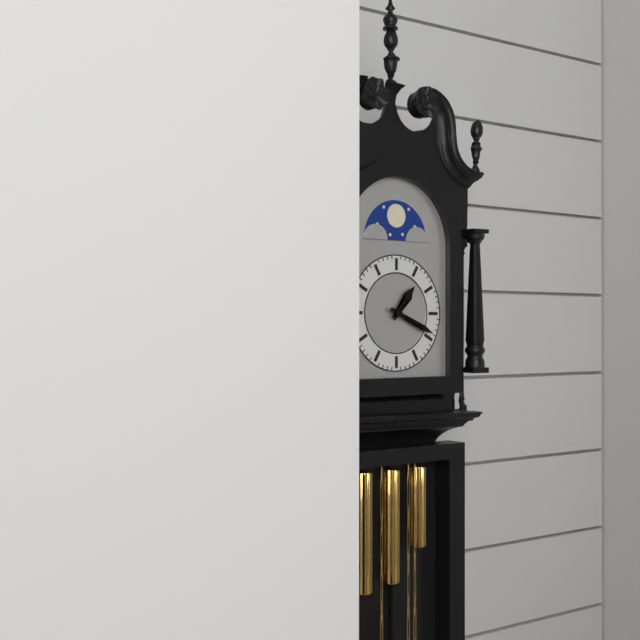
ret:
1:19
